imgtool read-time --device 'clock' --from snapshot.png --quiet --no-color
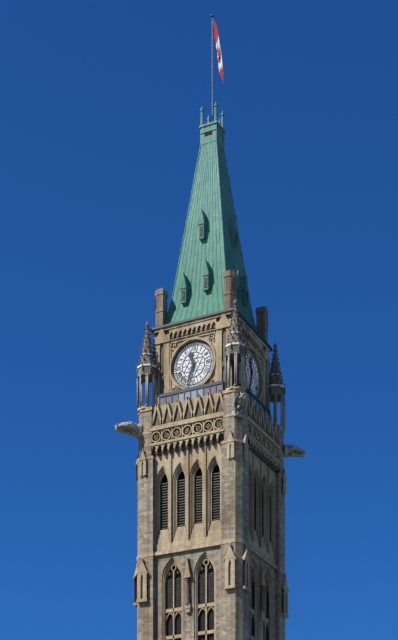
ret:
11:33
